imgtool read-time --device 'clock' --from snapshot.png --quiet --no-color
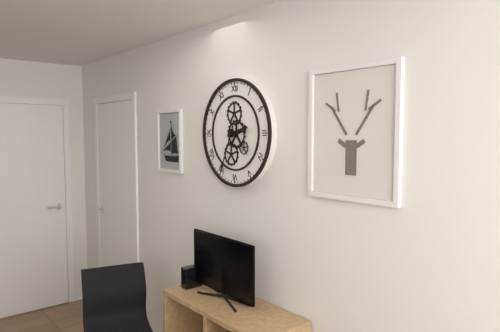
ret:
2:34
